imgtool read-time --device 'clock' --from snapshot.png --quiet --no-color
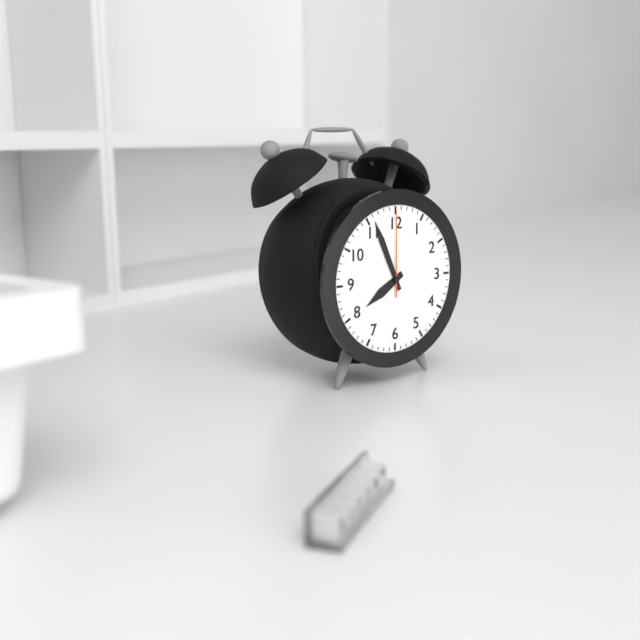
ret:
7:56:00
